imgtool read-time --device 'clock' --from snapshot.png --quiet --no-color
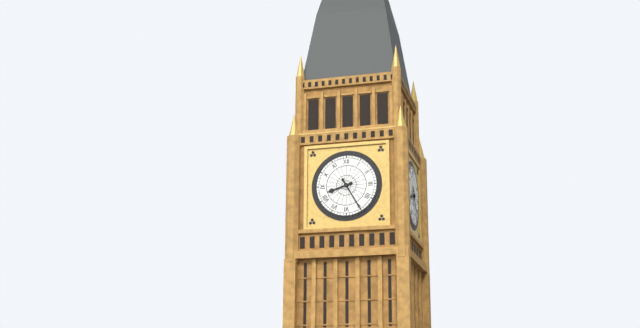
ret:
8:25
